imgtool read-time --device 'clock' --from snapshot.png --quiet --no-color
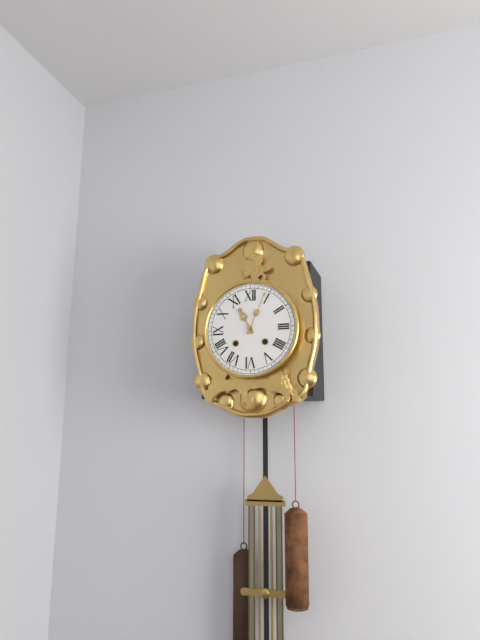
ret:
11:04
